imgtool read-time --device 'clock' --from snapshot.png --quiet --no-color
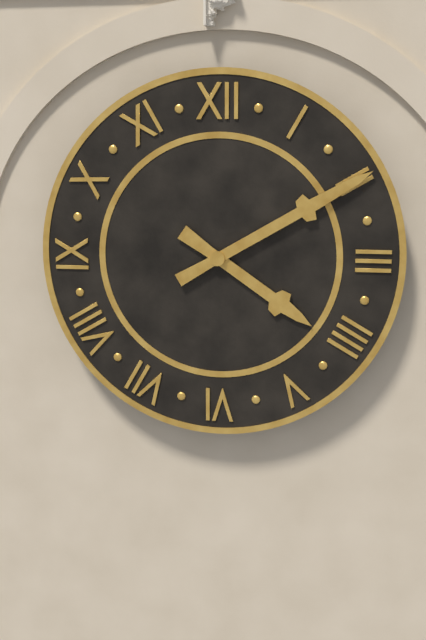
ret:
4:10
